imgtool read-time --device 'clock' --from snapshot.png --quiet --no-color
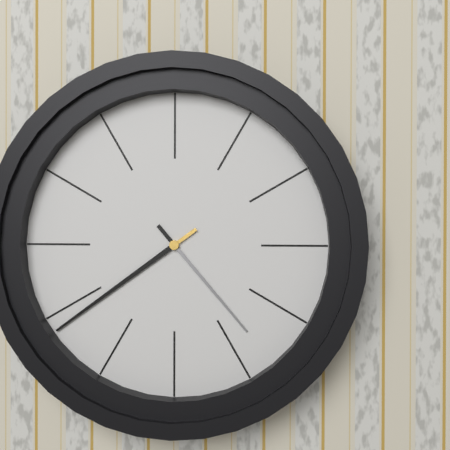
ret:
4:39
